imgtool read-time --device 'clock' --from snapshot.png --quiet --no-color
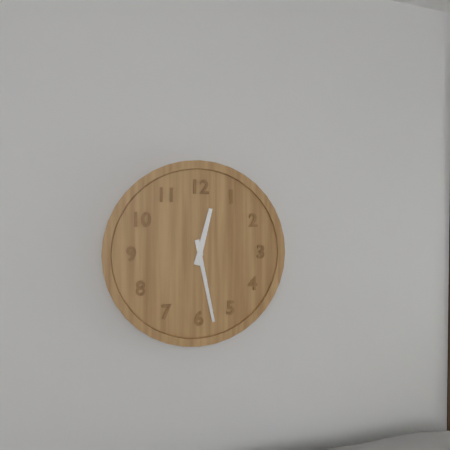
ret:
12:28
